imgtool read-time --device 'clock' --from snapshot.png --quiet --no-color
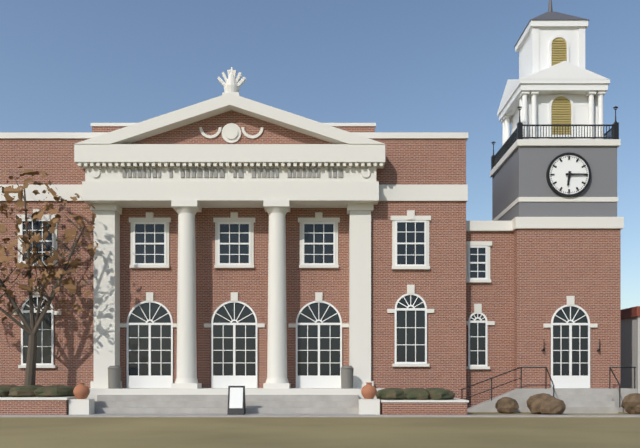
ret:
6:15
